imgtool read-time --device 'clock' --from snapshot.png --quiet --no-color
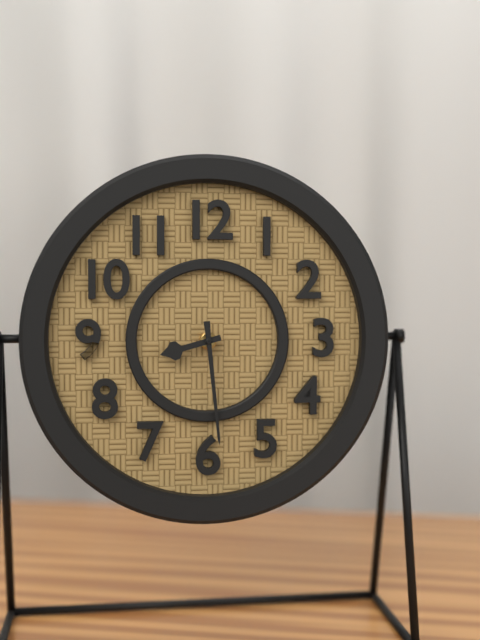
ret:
8:29
